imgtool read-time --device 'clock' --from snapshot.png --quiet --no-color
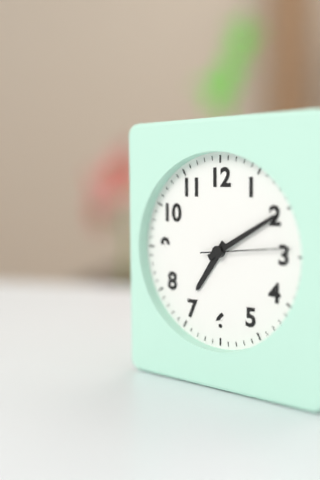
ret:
7:10:14
